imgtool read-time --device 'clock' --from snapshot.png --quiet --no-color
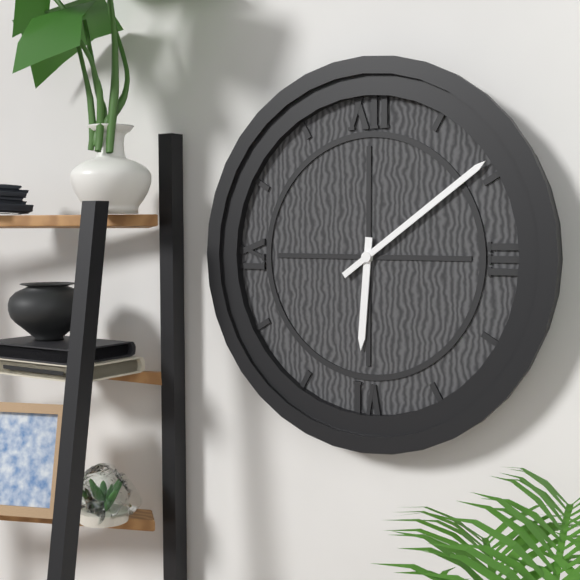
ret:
6:09
